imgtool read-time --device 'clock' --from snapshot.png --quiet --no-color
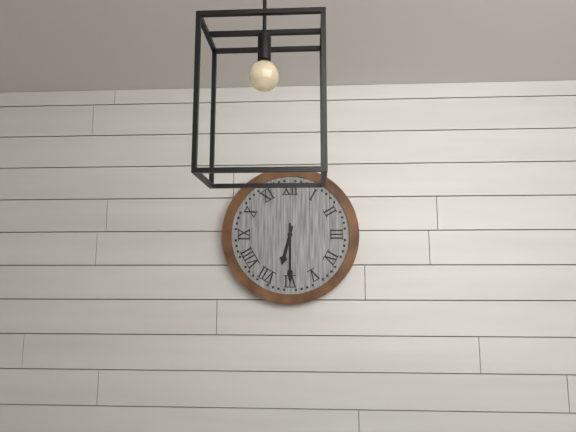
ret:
6:30
